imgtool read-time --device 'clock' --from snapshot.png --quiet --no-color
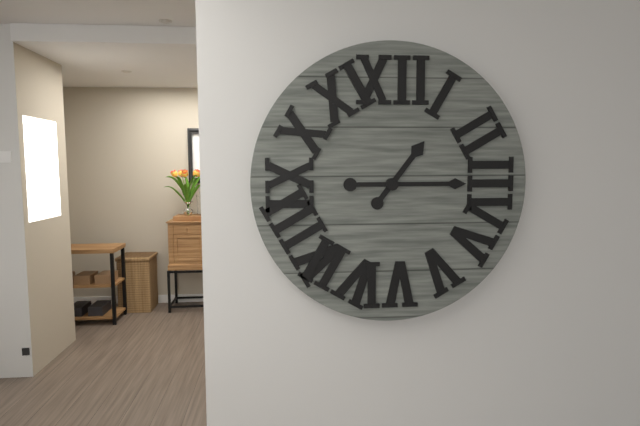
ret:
1:15
